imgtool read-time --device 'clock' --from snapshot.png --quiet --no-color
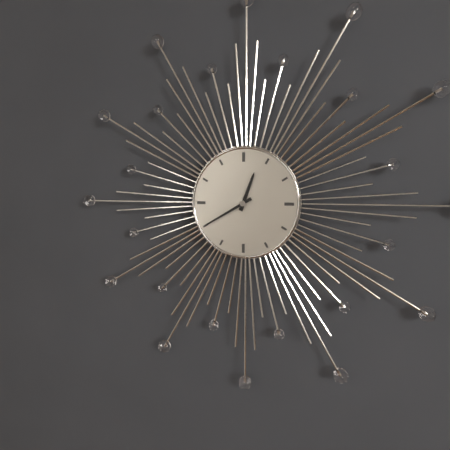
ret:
12:40
